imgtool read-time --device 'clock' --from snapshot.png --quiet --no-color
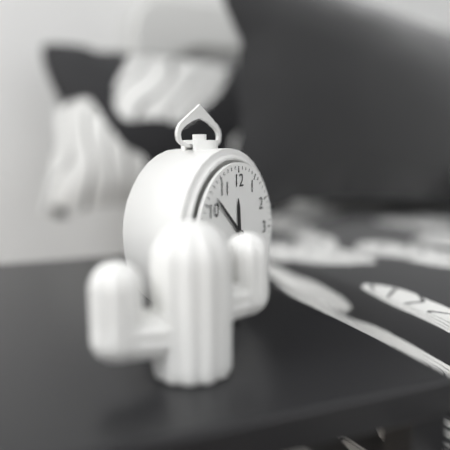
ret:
11:52
